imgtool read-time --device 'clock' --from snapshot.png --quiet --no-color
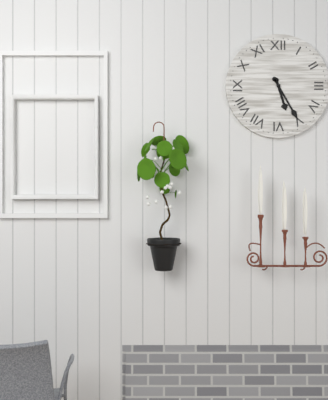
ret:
5:25
